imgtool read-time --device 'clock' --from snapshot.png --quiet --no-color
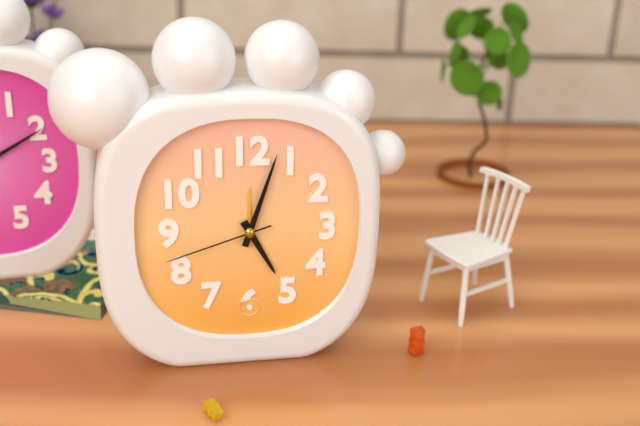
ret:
5:03:42
